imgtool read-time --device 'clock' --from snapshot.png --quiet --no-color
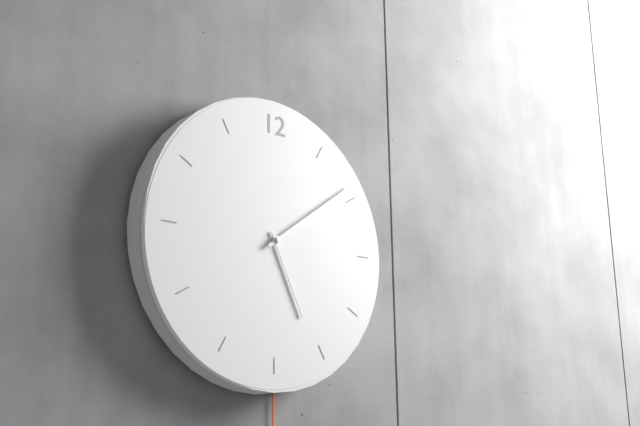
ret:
5:09
